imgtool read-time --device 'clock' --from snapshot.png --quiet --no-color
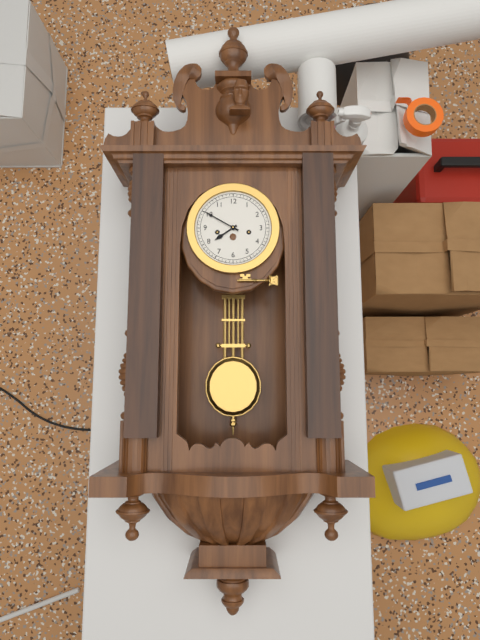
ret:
7:50
